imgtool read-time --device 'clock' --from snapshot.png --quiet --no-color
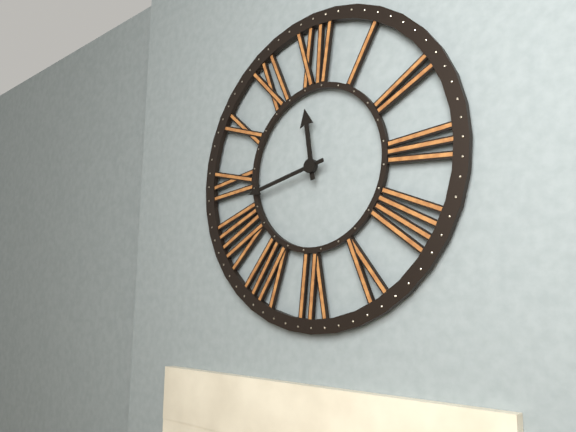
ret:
11:43
